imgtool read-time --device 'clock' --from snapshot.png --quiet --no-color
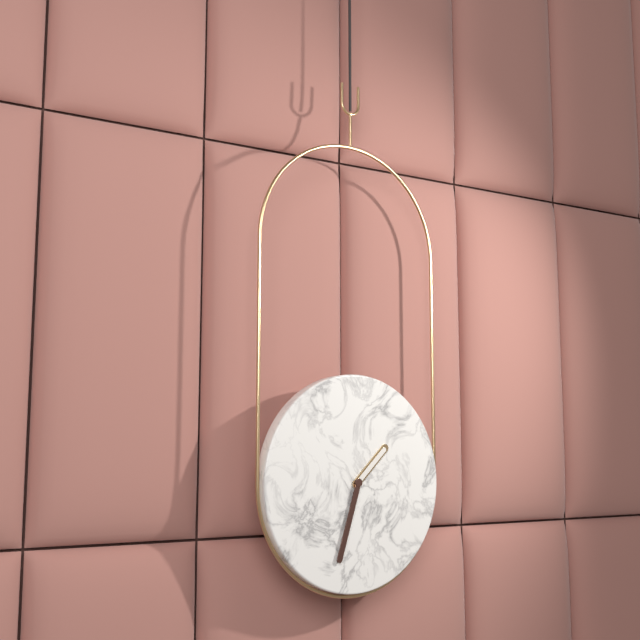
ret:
1:33
